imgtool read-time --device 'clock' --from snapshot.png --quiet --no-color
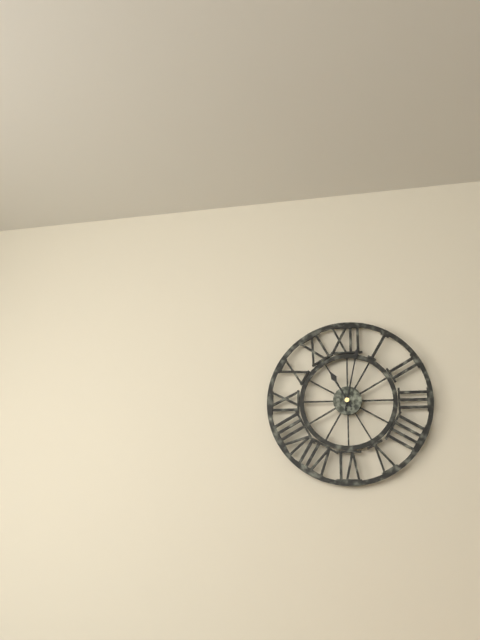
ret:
11:02
